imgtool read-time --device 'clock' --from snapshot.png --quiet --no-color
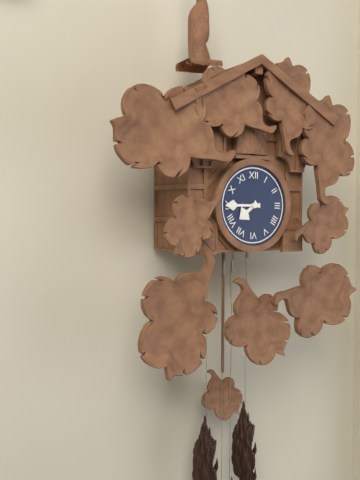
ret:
7:45
